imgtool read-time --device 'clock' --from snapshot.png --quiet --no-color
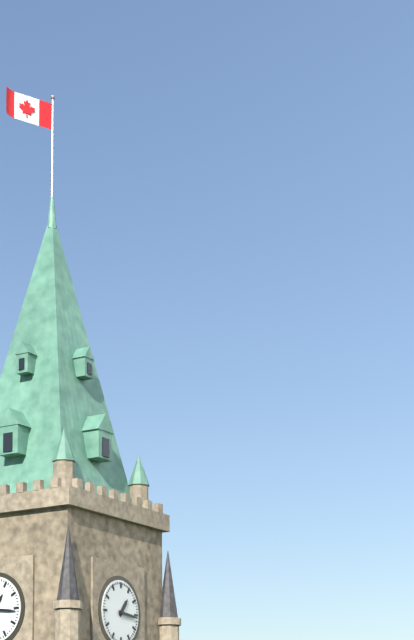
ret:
1:16
